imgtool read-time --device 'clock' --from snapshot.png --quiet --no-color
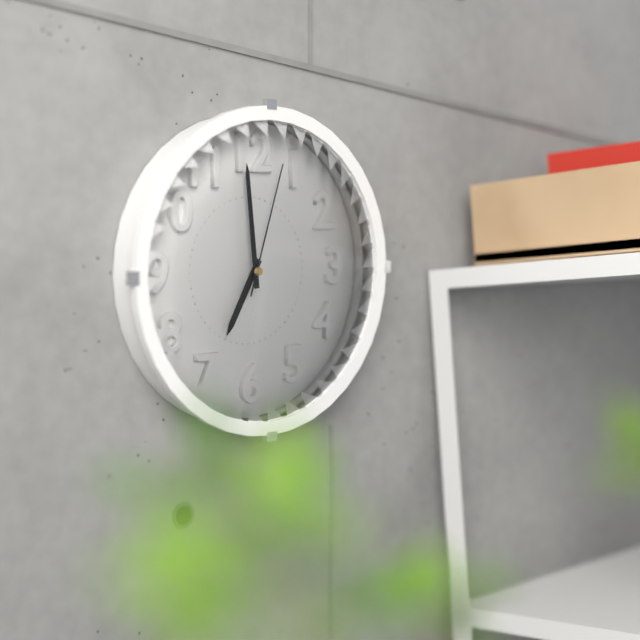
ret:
6:59:03
